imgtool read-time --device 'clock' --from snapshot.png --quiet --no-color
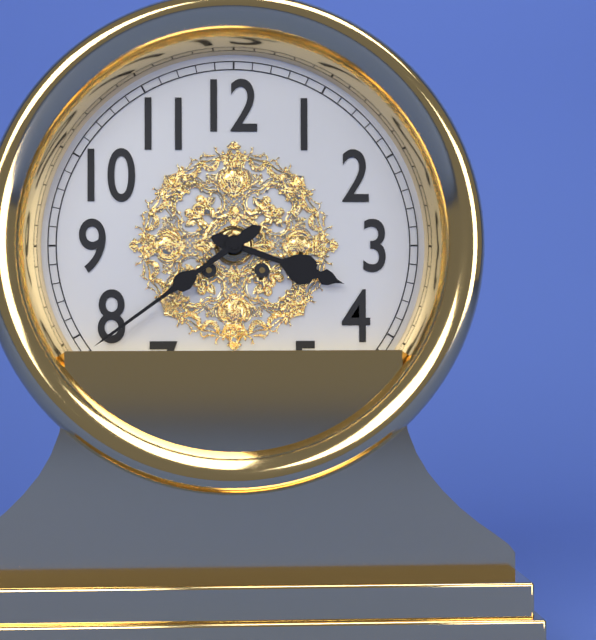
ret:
3:39
